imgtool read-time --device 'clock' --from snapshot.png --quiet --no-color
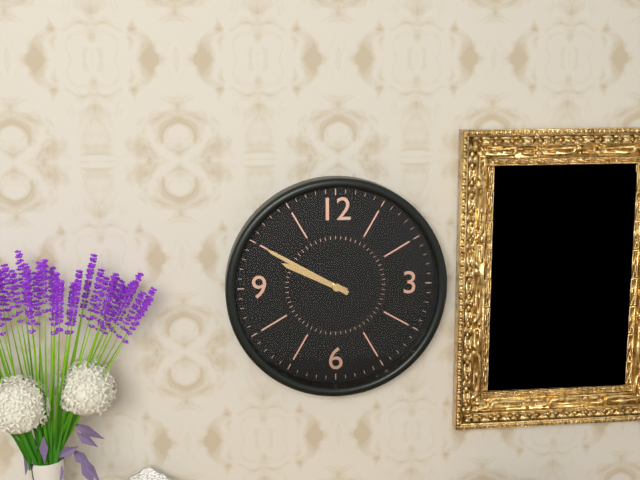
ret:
9:50
